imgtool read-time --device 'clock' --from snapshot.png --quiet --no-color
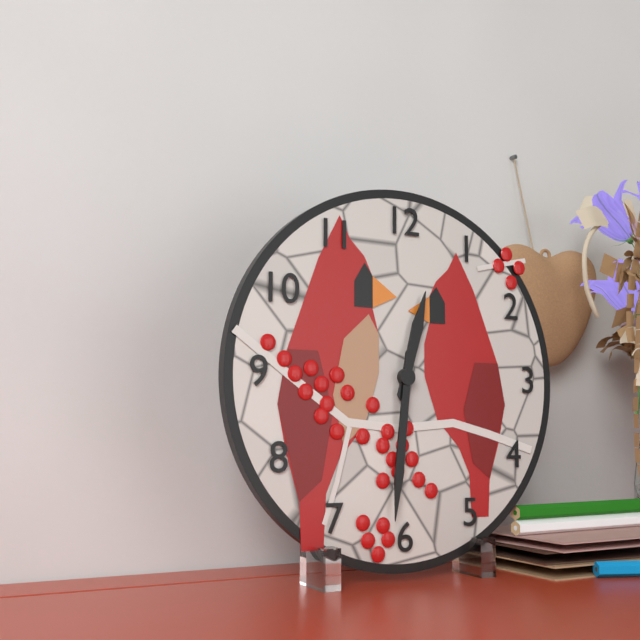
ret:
12:31
